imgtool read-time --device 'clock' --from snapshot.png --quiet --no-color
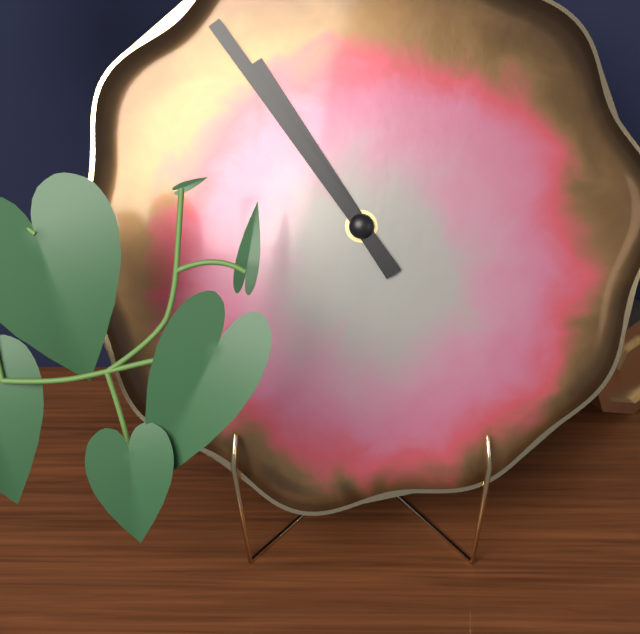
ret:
10:54
